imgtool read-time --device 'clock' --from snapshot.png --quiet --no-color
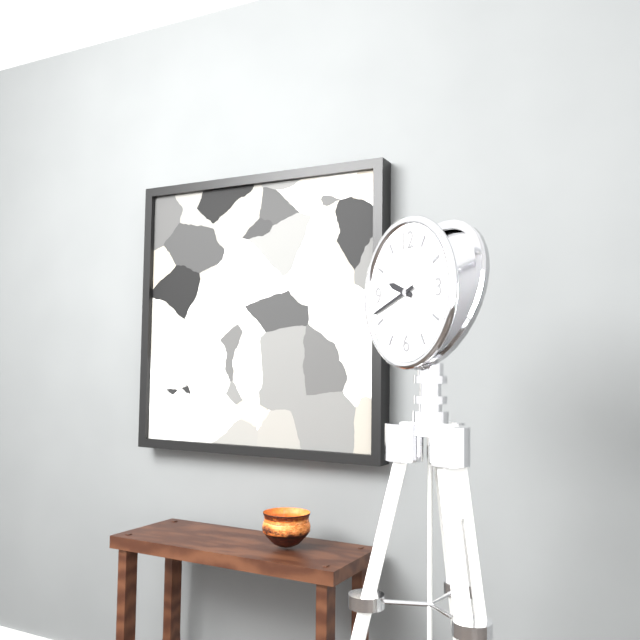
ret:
9:42
